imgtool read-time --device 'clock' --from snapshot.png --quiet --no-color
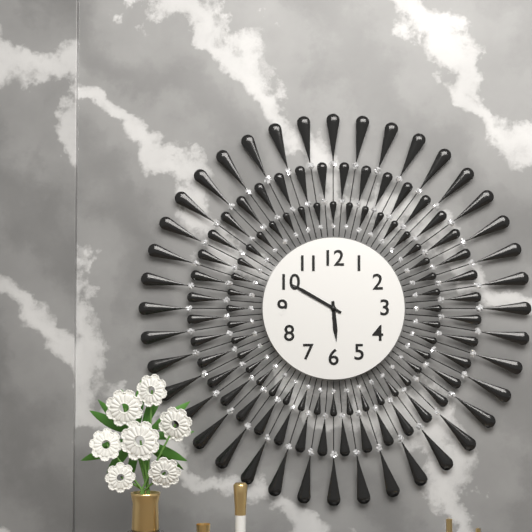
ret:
5:50
